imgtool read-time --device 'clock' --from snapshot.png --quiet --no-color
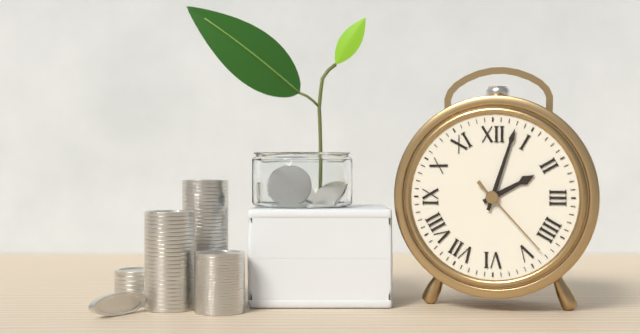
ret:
2:03:23
